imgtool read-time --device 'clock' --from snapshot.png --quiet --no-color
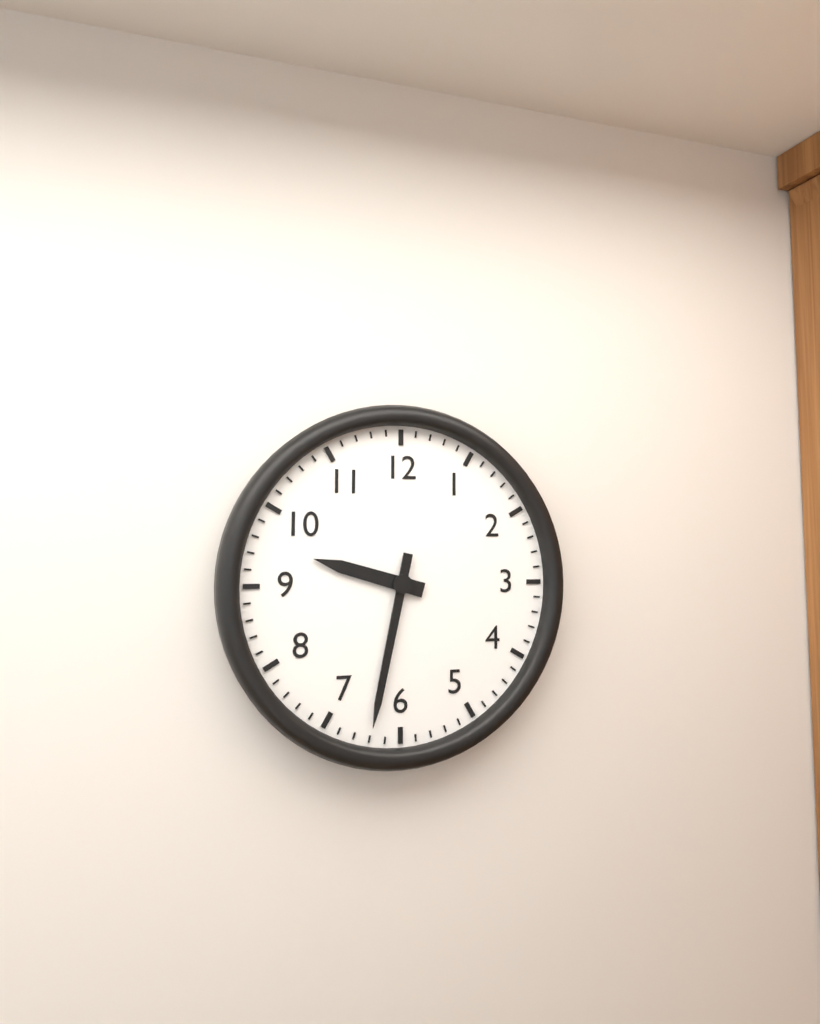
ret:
9:32
